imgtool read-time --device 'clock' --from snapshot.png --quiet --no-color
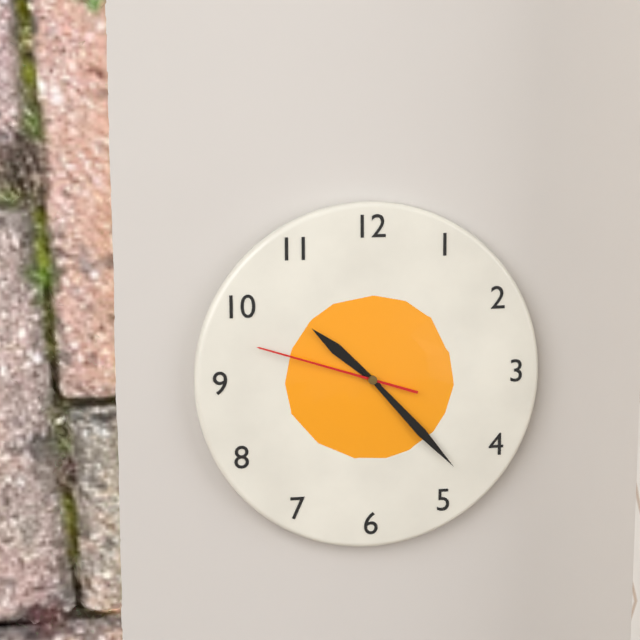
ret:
10:23:48
